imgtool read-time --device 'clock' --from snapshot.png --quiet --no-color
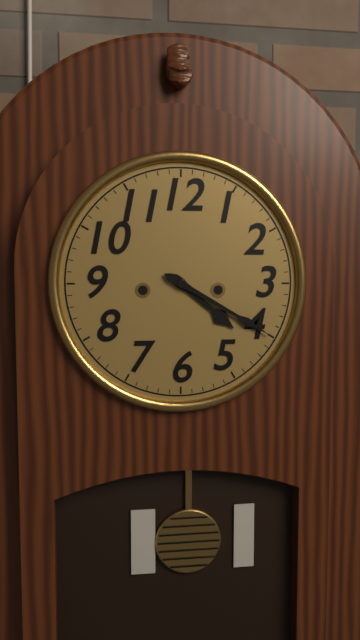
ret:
4:20
